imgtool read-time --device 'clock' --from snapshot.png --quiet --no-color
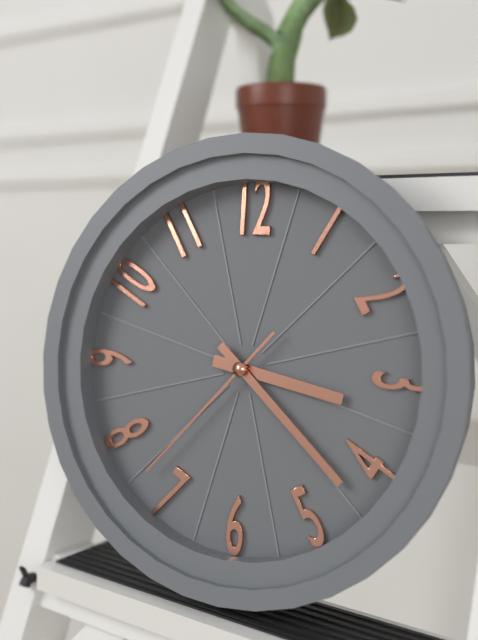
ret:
3:22:37
